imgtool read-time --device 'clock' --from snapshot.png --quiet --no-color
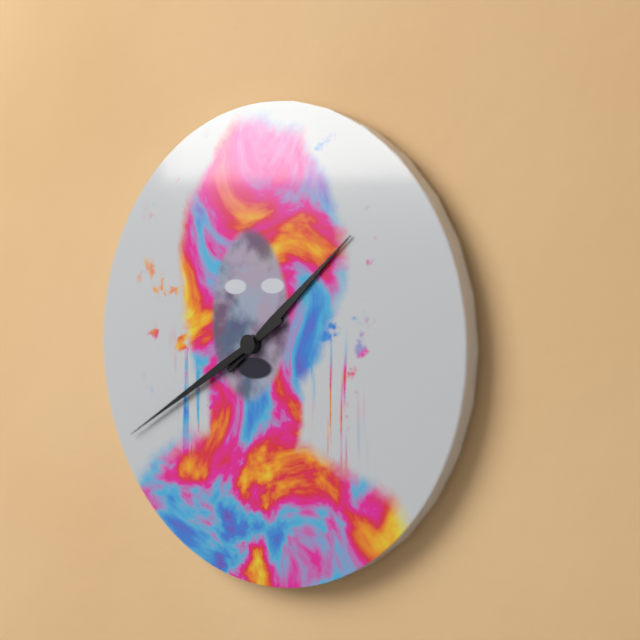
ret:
1:40
